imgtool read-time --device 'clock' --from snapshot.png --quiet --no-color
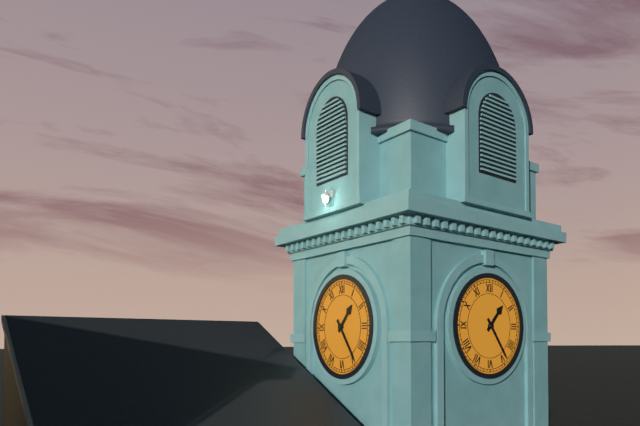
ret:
1:24
